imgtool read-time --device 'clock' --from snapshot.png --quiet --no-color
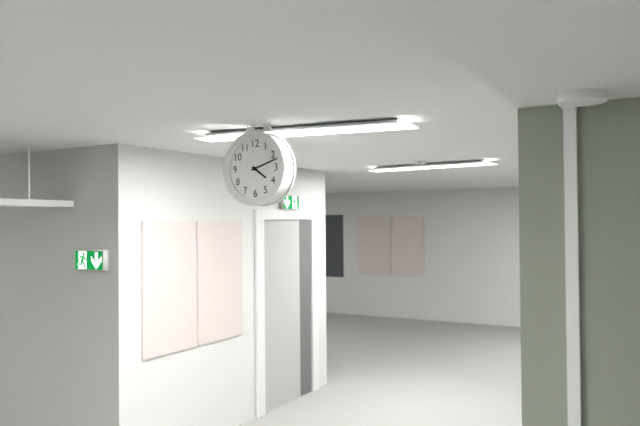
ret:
4:12
